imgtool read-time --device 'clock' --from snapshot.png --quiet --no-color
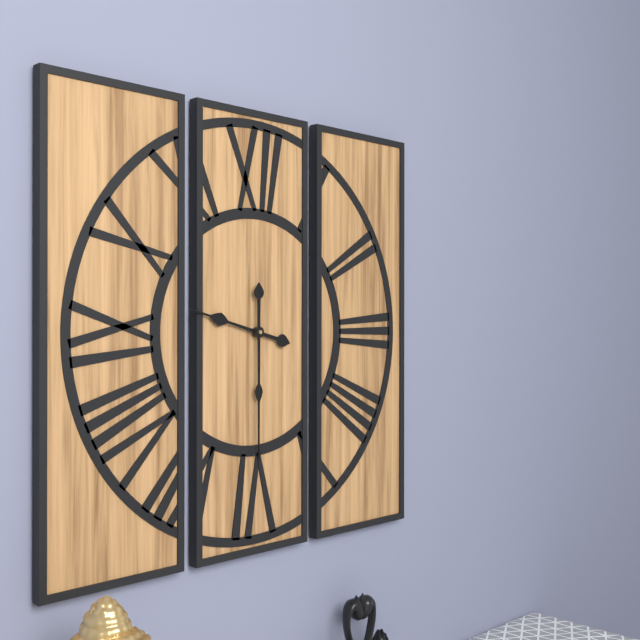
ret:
9:30
